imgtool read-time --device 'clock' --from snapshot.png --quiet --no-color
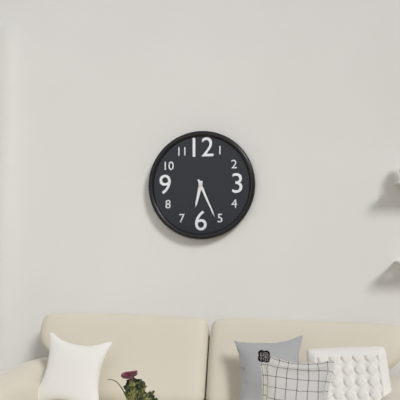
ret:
6:26
